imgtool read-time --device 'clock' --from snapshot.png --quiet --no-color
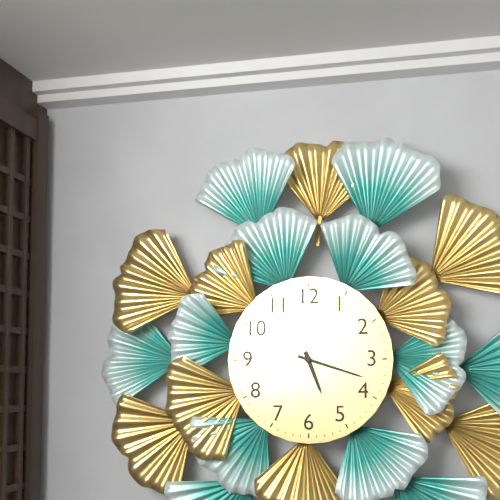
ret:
5:18
